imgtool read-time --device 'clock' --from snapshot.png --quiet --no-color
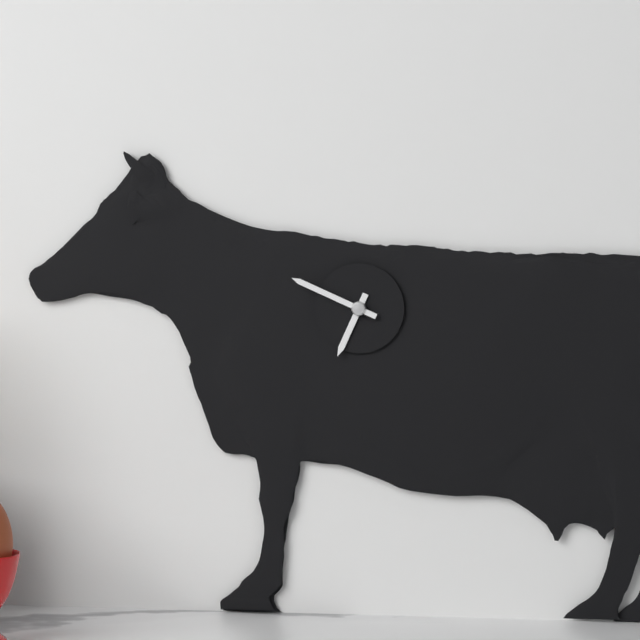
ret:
6:49
